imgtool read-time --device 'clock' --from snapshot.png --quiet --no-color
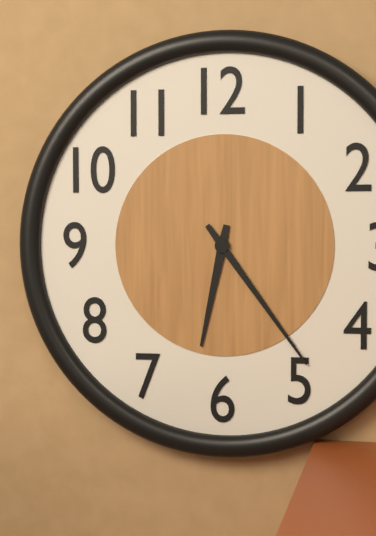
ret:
6:24
